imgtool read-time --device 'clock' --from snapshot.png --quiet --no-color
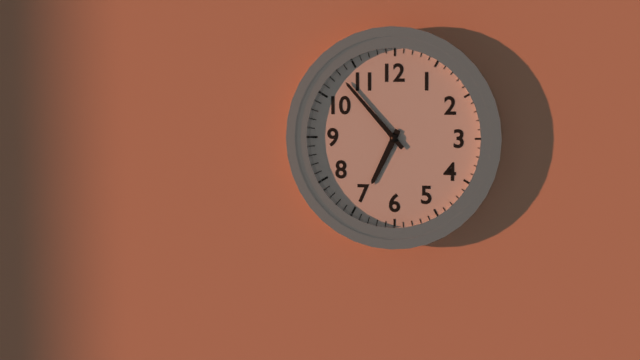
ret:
6:53
